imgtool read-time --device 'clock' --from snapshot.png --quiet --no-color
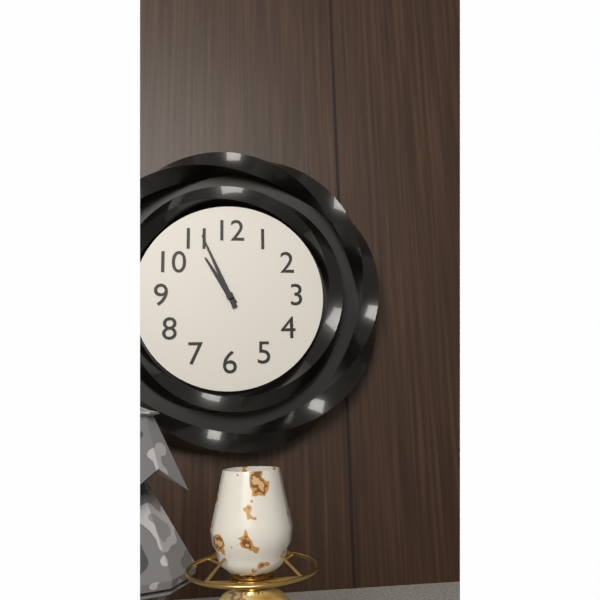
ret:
10:56
